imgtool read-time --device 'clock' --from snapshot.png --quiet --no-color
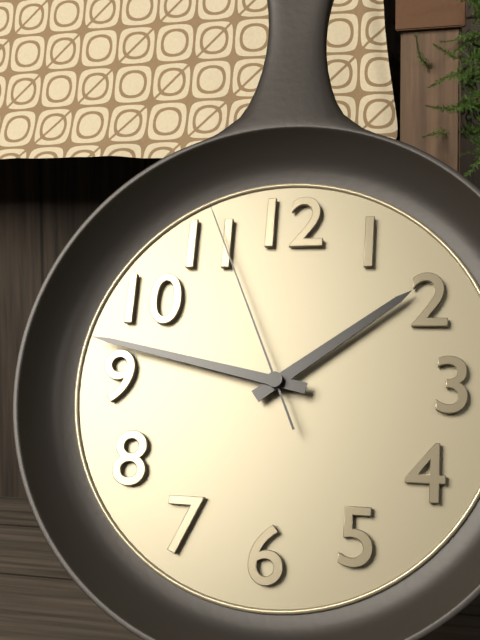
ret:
1:47:56
